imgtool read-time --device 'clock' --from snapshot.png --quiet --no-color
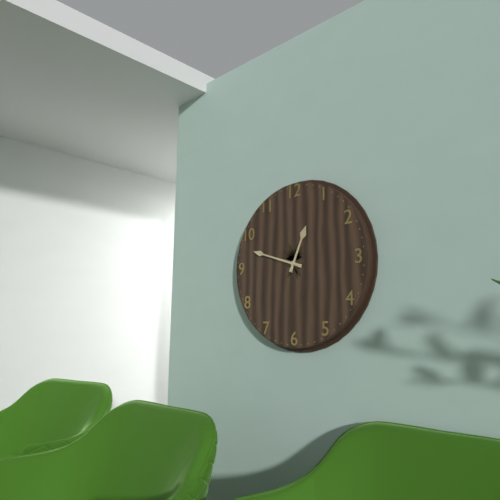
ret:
12:48
